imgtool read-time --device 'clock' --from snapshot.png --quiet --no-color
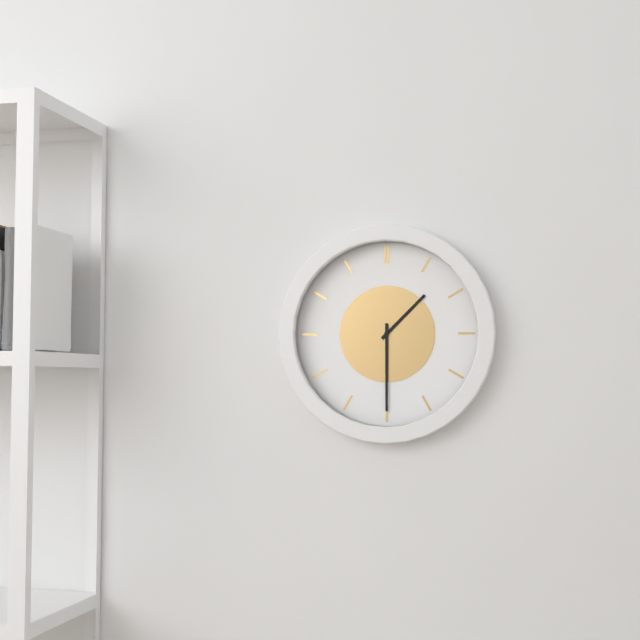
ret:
1:30
